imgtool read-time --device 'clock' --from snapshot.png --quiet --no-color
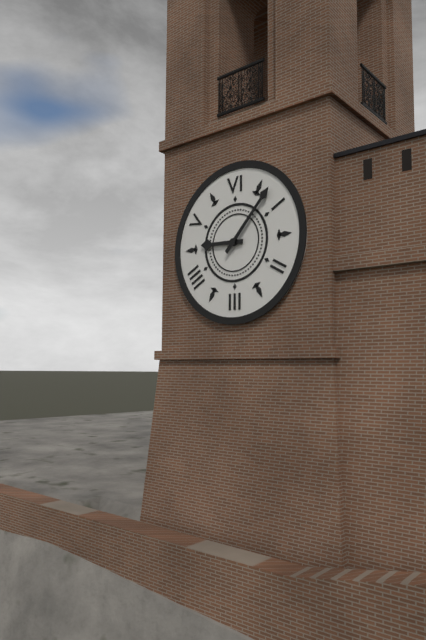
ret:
9:07
